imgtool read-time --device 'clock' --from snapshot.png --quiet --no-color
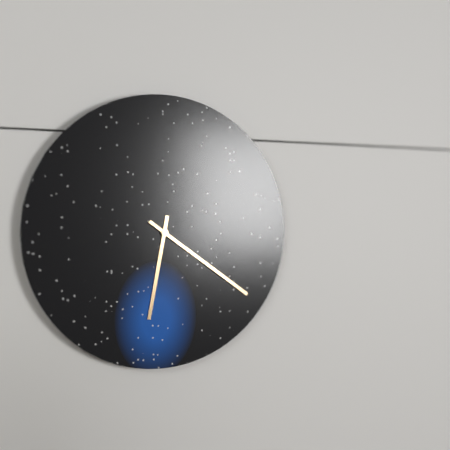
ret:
6:21
